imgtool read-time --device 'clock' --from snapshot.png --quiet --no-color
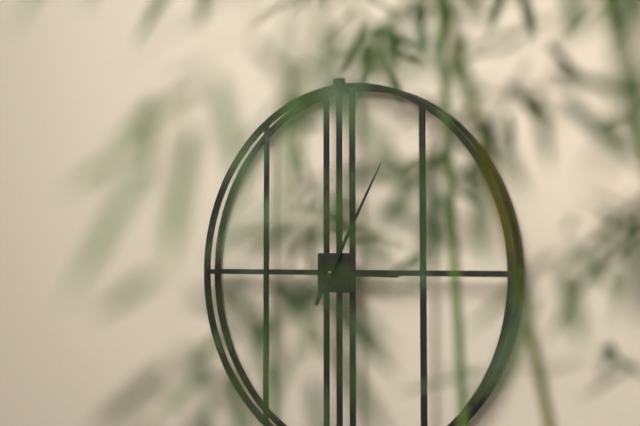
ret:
3:05
